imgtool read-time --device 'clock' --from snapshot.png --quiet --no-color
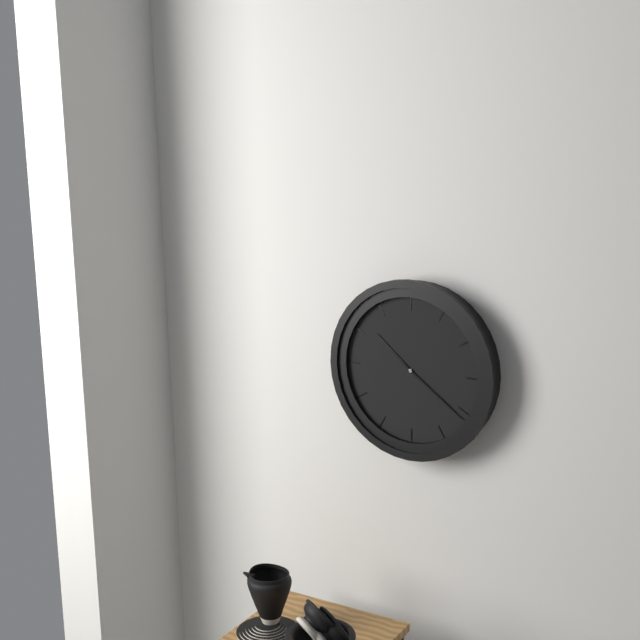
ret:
10:21
